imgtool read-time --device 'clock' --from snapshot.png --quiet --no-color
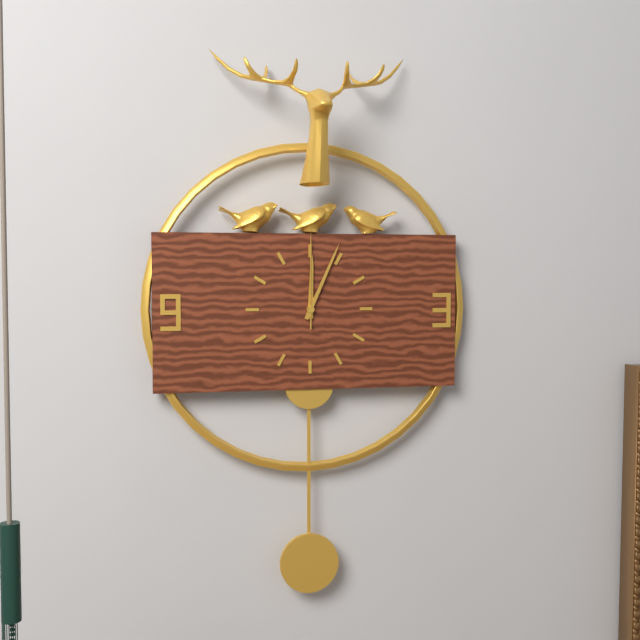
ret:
12:04:00
